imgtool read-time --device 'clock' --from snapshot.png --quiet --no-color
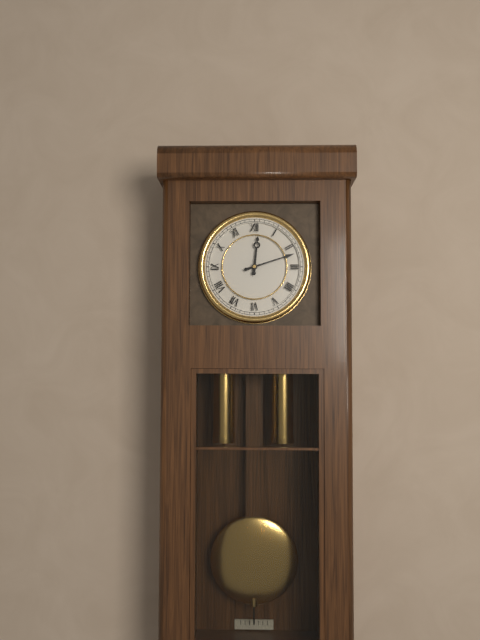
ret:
12:12
